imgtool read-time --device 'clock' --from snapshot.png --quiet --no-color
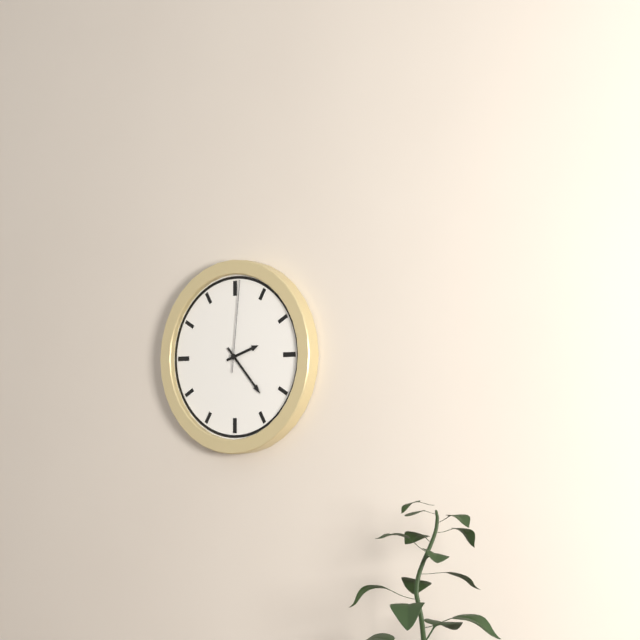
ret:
2:23:01
